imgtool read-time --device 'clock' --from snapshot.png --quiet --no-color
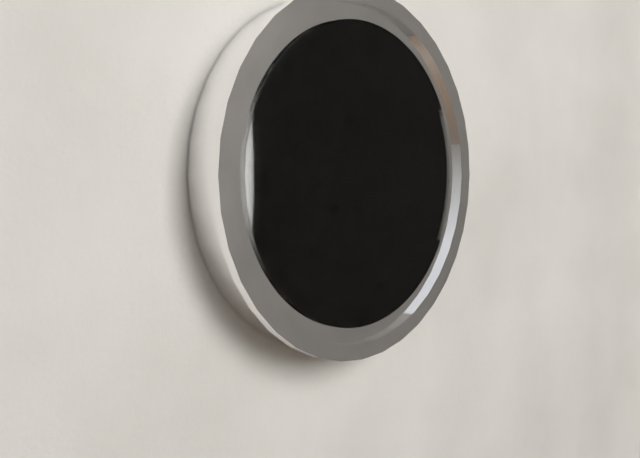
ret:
8:36
